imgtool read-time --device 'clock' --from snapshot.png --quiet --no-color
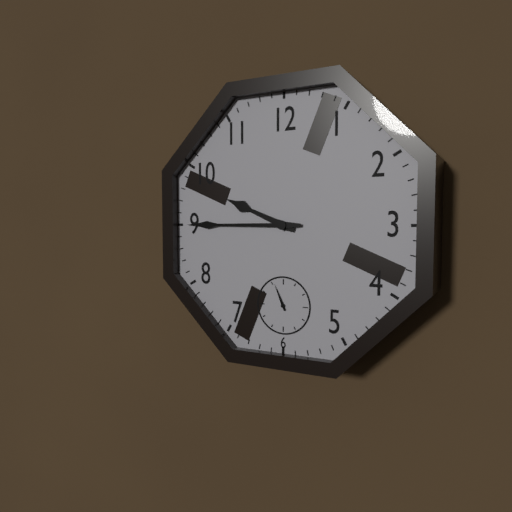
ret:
9:45
